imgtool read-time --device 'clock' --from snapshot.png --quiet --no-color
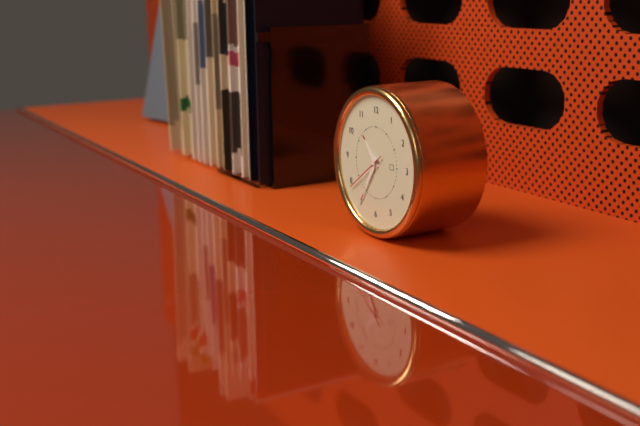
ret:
10:35
